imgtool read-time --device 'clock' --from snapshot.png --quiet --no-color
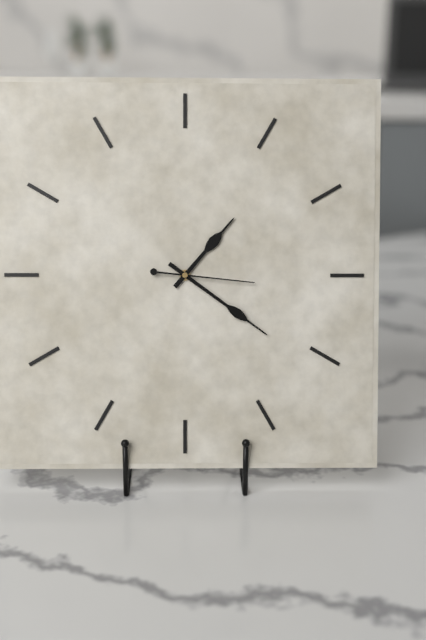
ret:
1:21:16
